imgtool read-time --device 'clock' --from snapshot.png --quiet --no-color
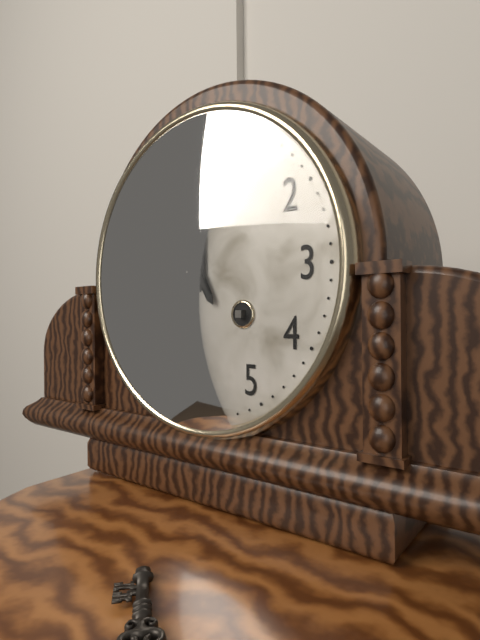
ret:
11:55
